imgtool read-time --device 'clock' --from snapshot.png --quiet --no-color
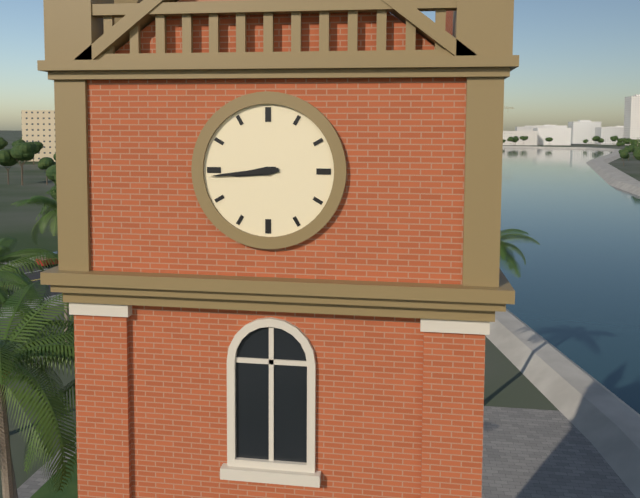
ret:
8:44
